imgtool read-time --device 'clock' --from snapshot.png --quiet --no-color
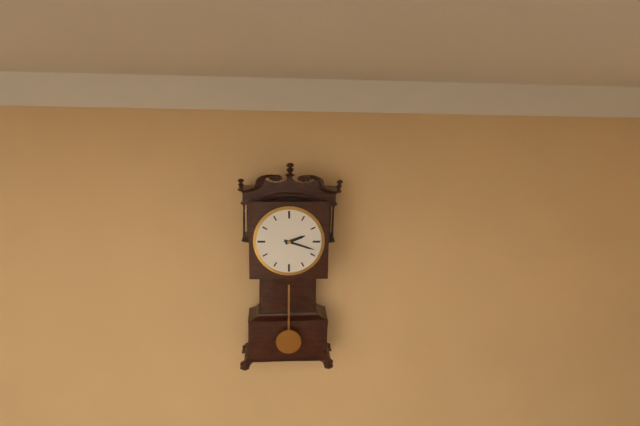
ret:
2:18
